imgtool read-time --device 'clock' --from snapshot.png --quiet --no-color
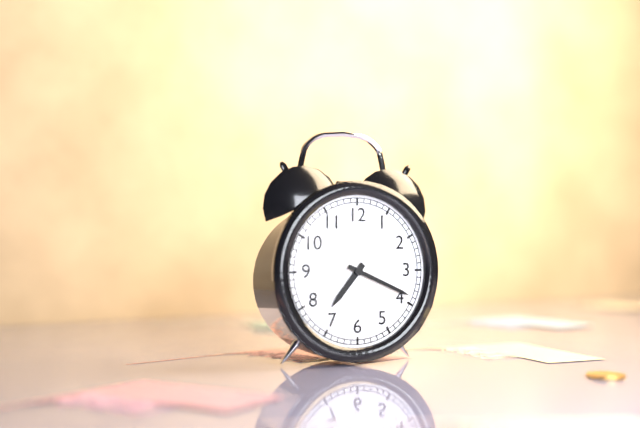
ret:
7:19
